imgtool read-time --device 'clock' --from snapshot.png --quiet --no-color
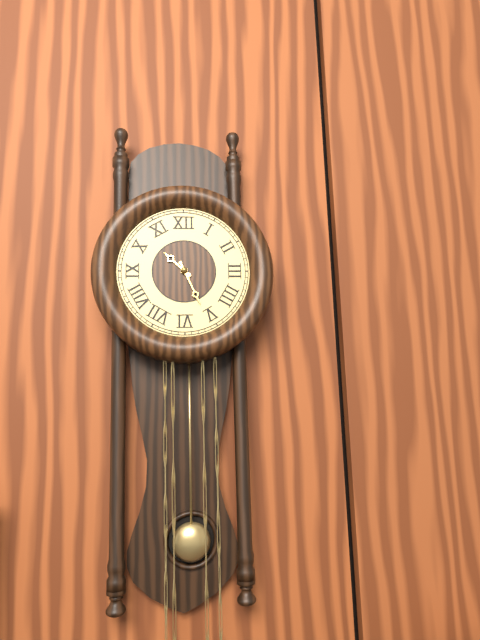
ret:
10:26
